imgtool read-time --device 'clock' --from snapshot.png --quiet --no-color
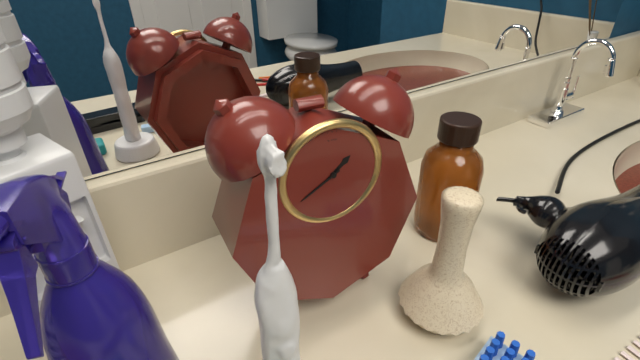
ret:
1:40
